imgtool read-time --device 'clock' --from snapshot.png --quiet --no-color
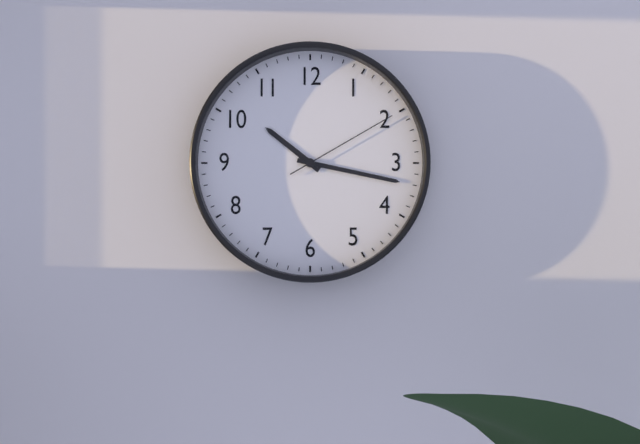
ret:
10:17:10
